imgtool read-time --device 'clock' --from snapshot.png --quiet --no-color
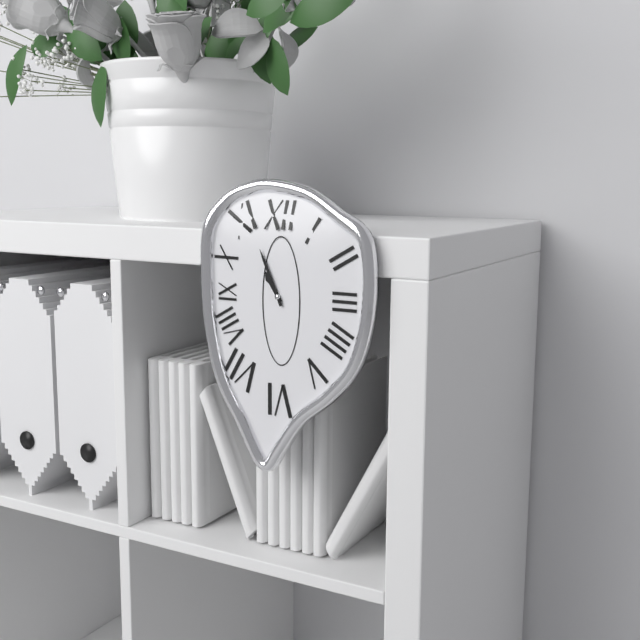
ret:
10:56
